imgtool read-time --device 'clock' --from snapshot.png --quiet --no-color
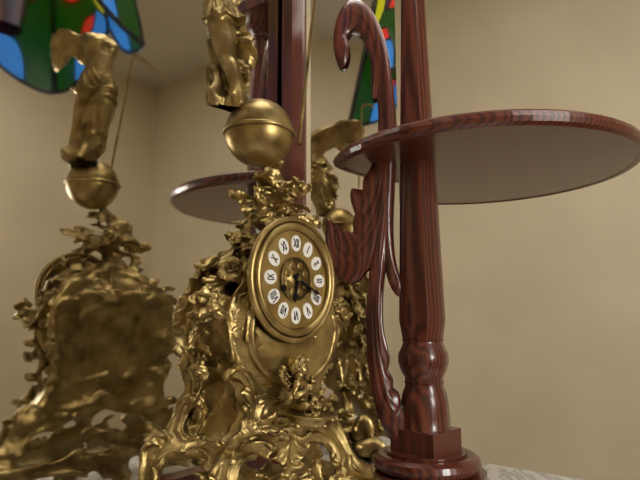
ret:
6:19
